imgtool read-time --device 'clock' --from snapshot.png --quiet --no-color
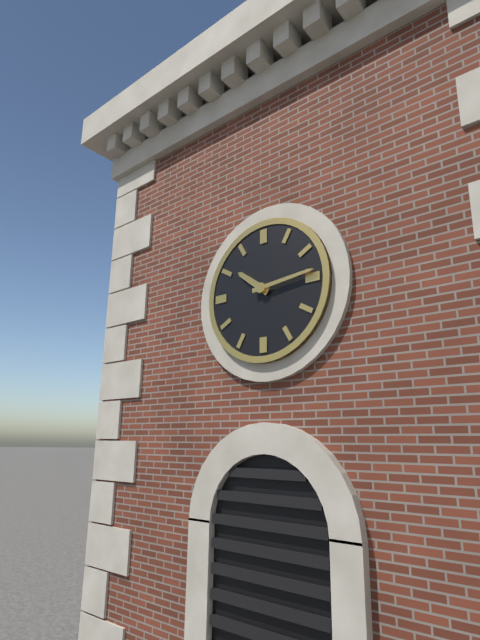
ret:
10:14
